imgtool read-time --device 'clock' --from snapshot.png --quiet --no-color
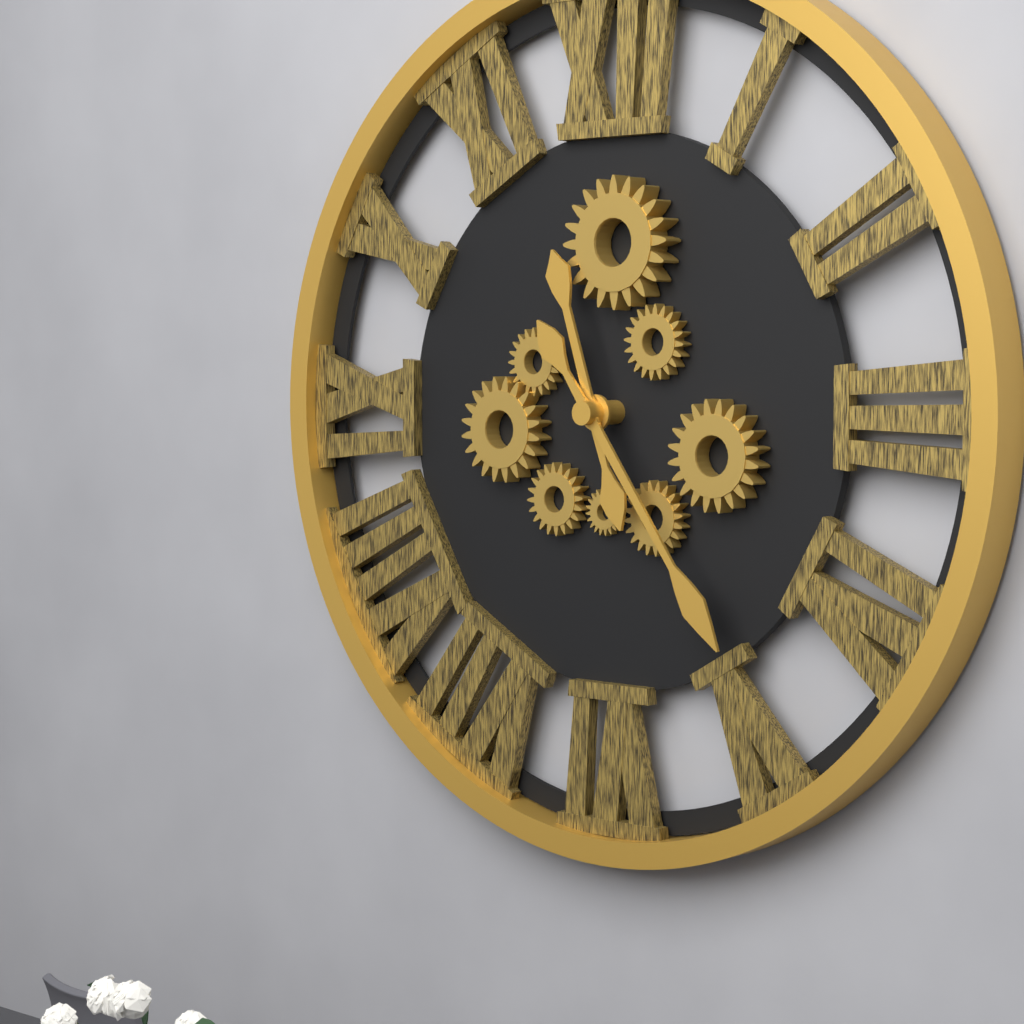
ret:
11:24
